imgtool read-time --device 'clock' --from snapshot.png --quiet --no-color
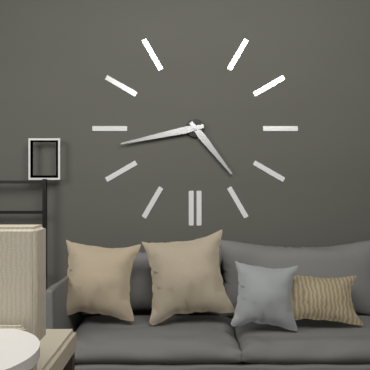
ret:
4:43
